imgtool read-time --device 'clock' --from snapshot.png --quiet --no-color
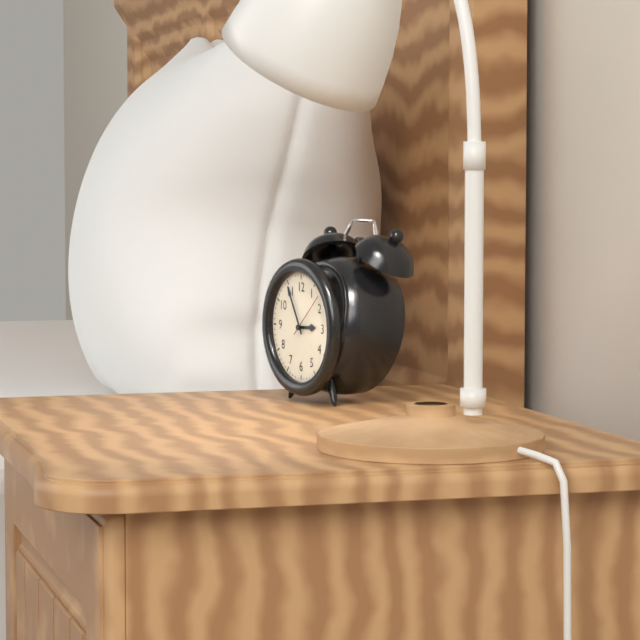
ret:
2:55
